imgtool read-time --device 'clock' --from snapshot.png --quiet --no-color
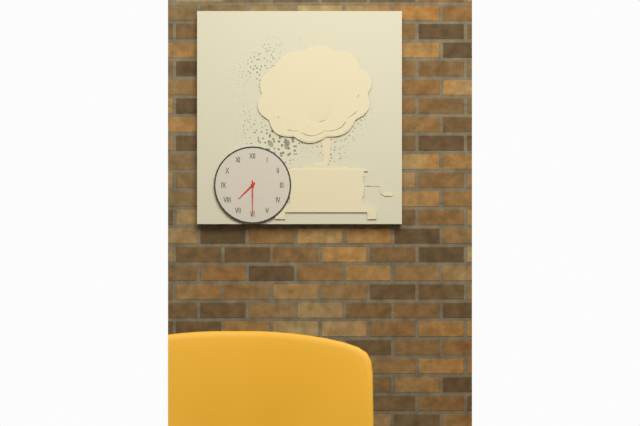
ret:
7:30
